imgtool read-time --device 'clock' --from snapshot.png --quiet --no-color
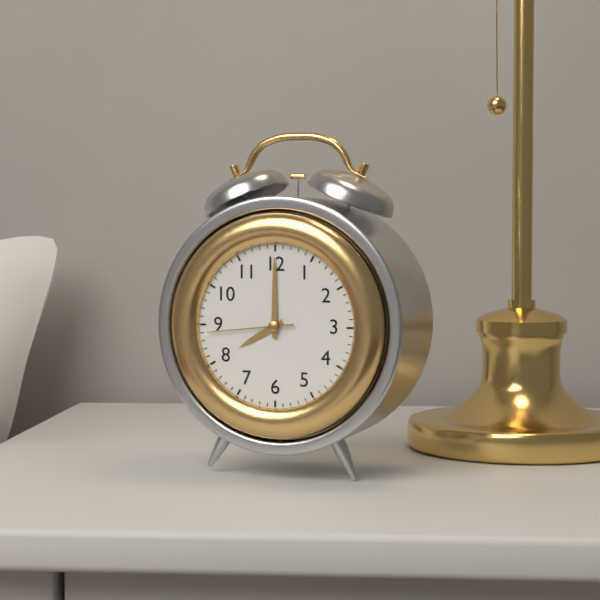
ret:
8:00:44
